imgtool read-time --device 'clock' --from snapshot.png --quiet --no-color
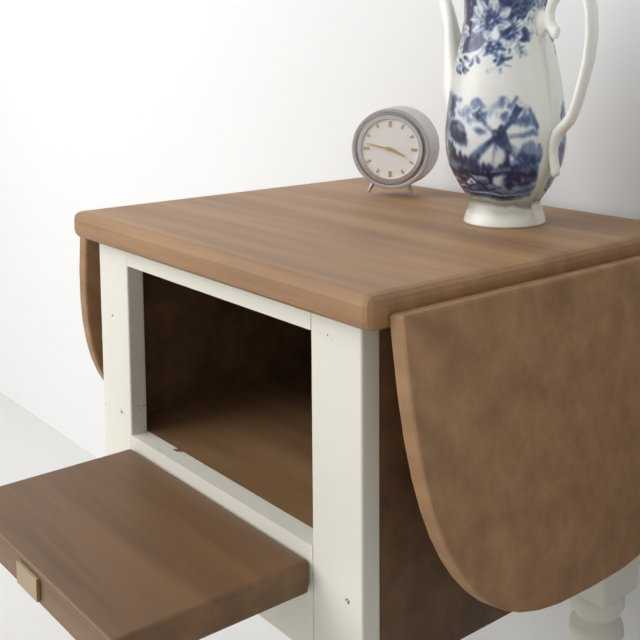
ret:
3:47
